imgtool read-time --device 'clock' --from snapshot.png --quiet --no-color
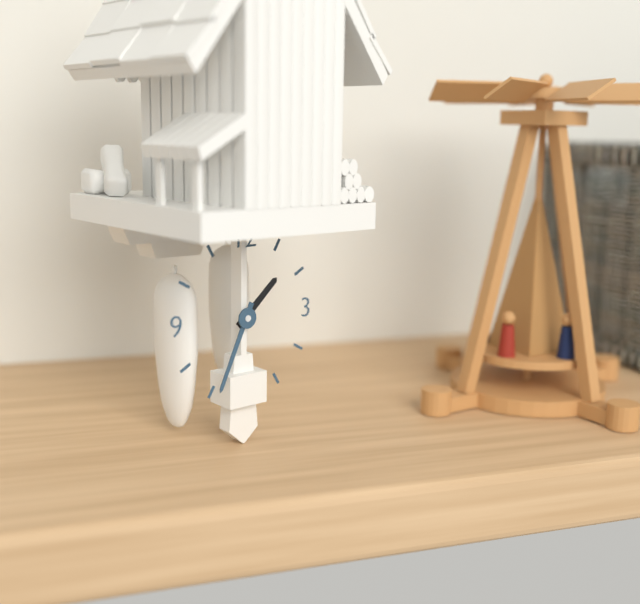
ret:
1:34
